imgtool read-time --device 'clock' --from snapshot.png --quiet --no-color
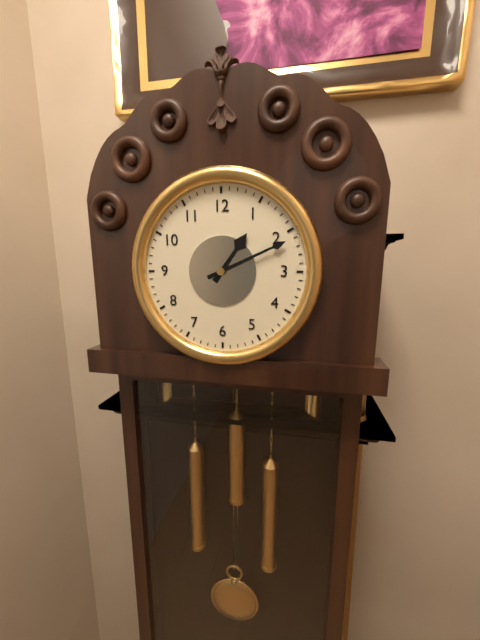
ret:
1:11
